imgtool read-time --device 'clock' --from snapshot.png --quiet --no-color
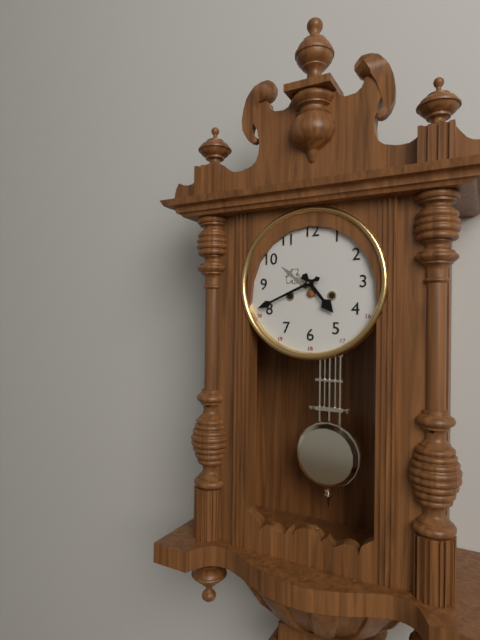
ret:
4:41
